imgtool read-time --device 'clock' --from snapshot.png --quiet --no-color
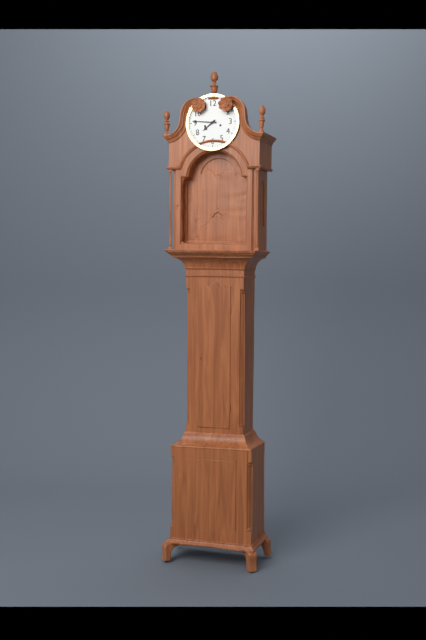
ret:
7:46
